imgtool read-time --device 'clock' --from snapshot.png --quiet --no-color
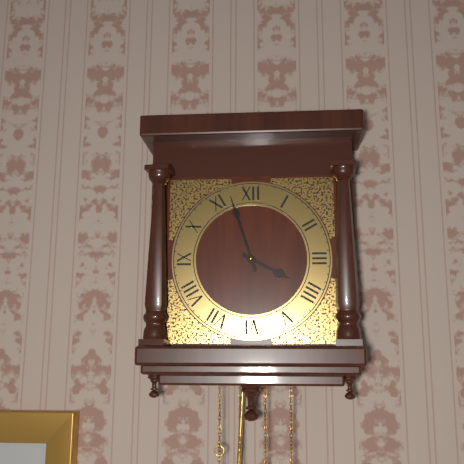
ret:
3:57
